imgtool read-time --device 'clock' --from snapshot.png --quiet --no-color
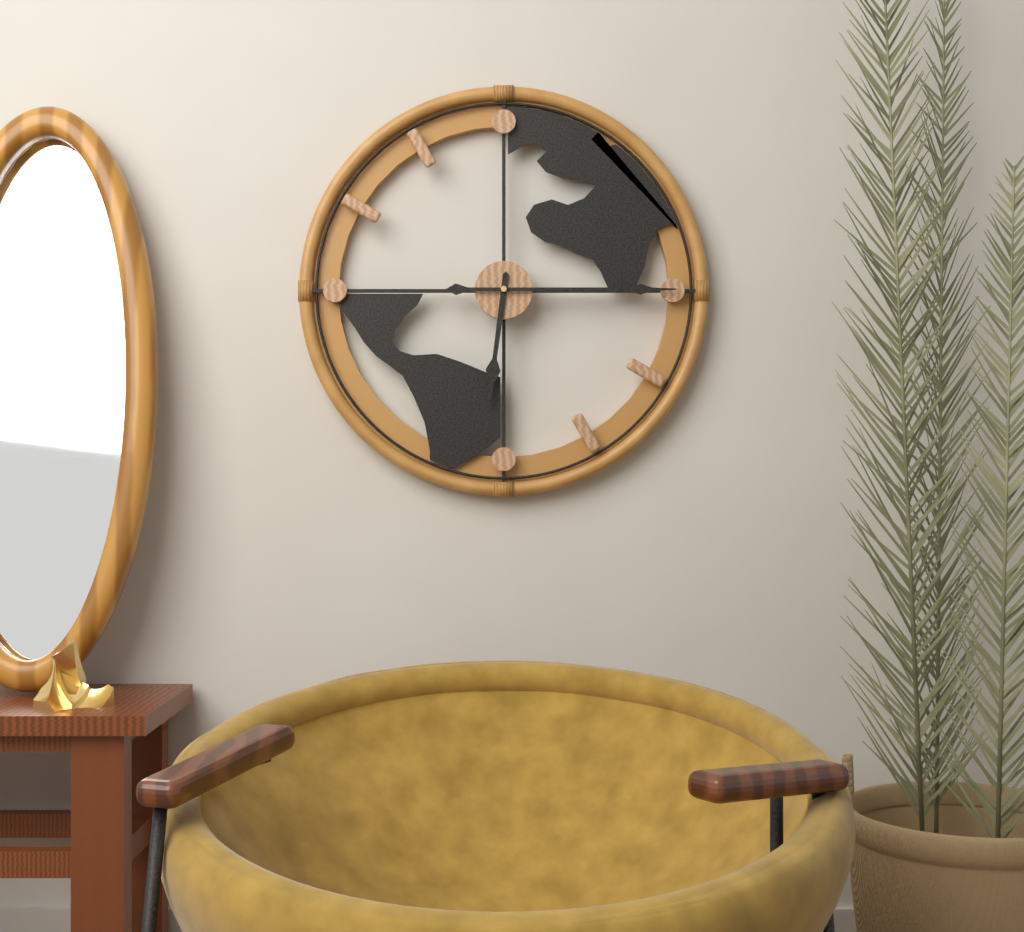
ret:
6:15
